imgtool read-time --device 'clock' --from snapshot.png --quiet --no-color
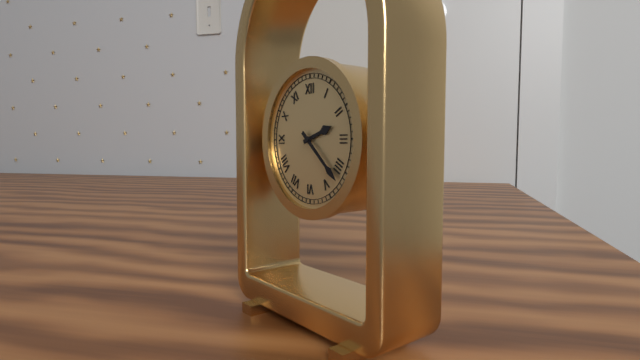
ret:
2:22
